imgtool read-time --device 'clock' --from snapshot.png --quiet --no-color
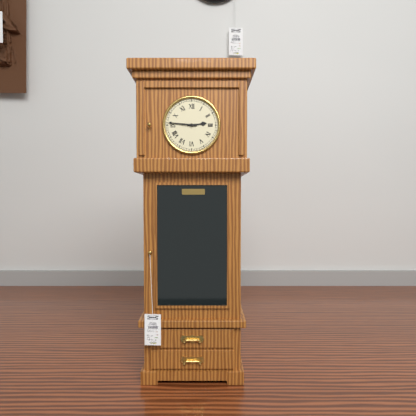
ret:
2:46
